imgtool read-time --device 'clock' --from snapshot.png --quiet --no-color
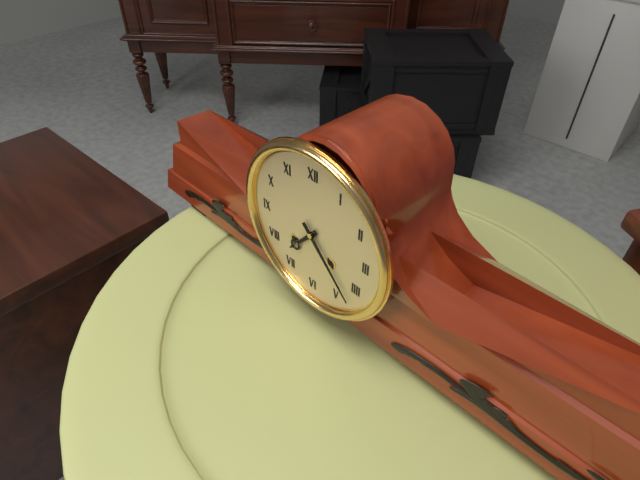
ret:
7:23
